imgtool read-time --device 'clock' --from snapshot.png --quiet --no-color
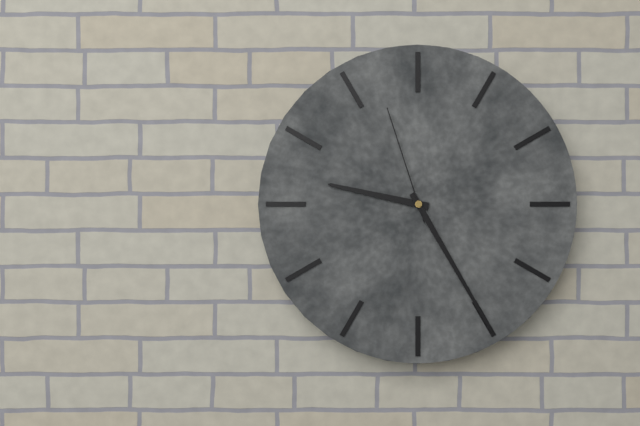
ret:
9:25:57
